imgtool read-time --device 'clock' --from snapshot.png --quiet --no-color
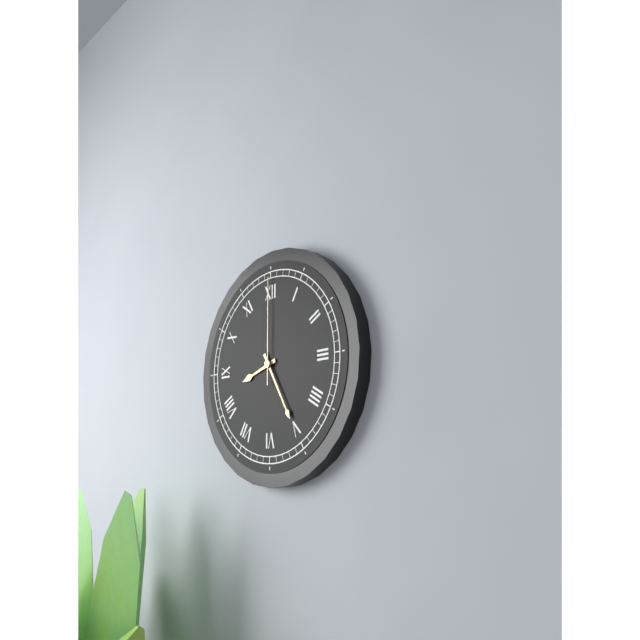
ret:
8:25:00
